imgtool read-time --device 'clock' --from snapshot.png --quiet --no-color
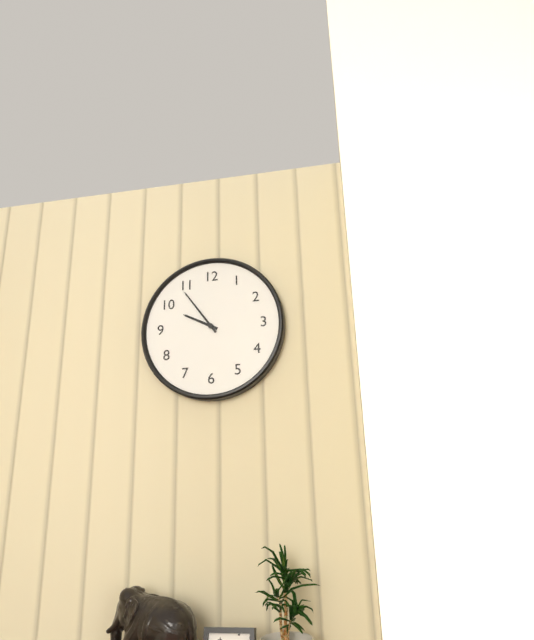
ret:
9:54
